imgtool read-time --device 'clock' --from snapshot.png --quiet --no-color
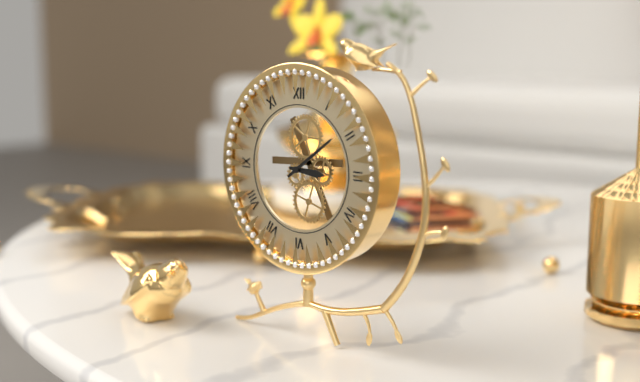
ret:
3:09
